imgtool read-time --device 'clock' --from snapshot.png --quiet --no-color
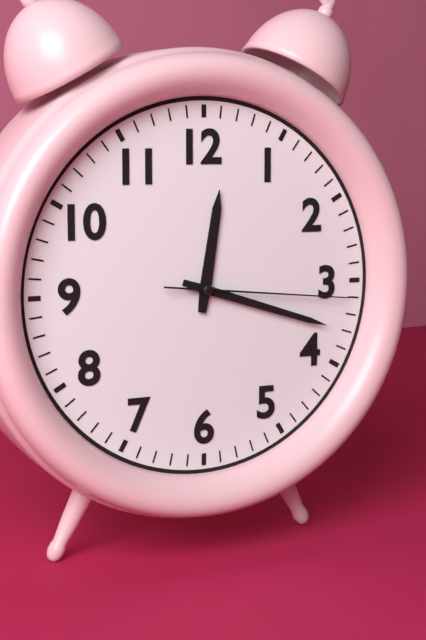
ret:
12:18:16
